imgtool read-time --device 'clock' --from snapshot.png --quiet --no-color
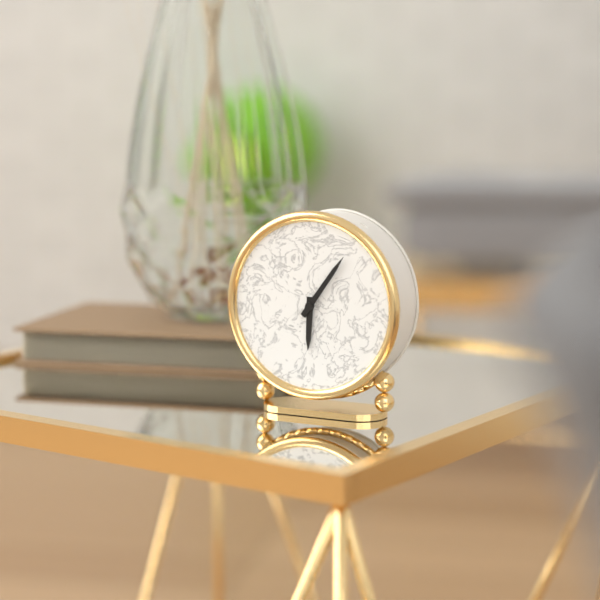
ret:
6:06
